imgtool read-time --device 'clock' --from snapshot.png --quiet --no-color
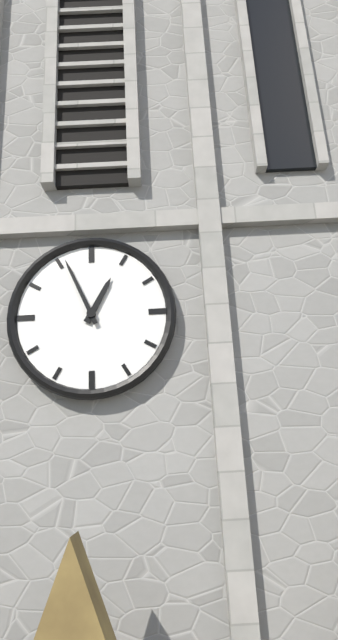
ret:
12:56
